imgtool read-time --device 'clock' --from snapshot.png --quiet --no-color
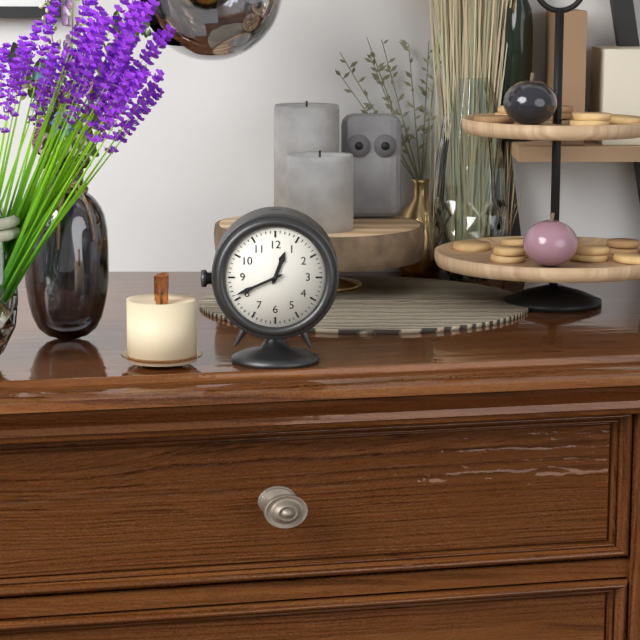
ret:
12:41
